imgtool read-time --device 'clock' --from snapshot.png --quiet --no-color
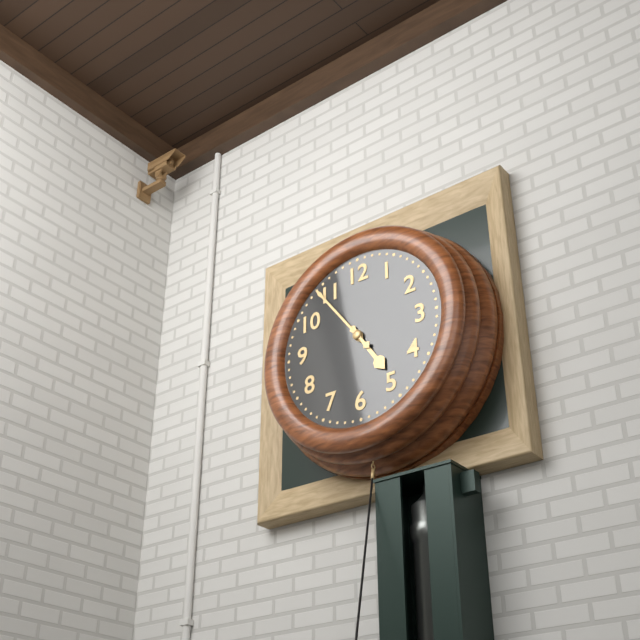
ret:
4:54
